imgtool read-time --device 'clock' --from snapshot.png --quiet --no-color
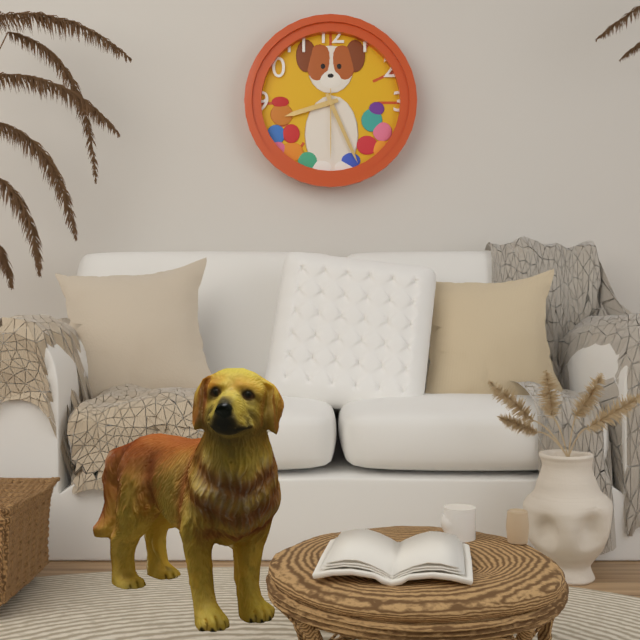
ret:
8:26:30
